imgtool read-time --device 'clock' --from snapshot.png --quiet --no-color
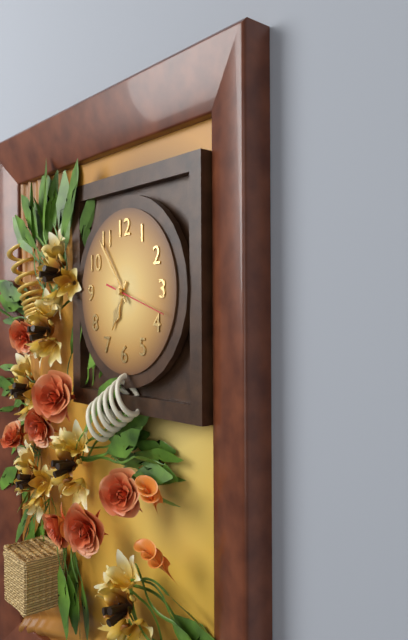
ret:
6:54:18
